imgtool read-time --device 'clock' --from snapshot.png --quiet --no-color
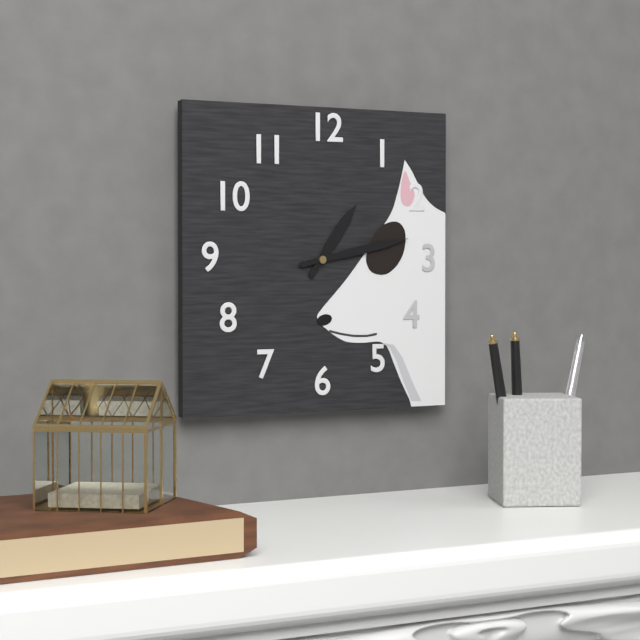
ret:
1:13
